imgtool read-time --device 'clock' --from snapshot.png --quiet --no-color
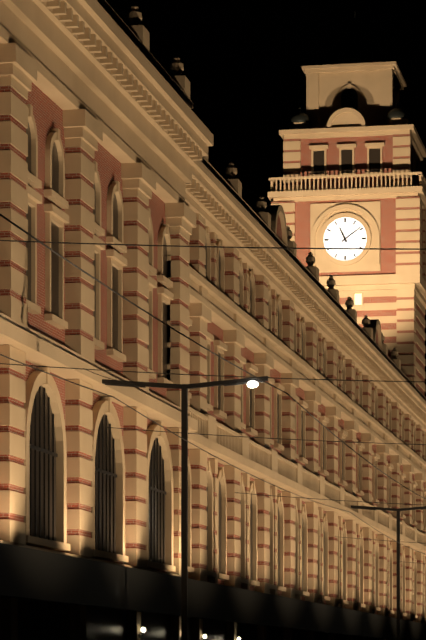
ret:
11:09
